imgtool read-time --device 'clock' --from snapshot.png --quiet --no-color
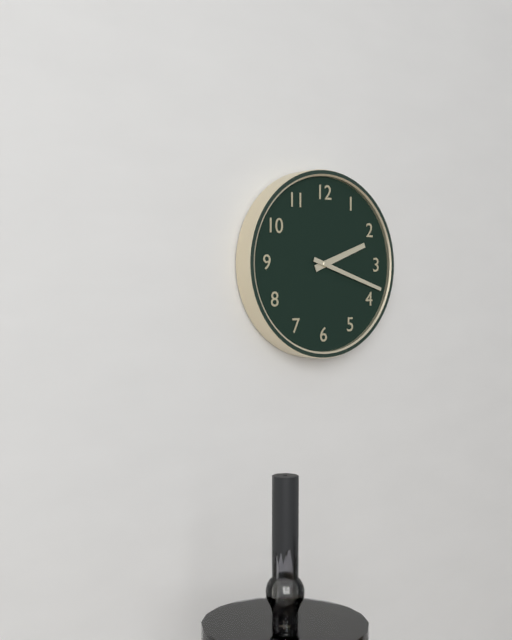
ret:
2:18
